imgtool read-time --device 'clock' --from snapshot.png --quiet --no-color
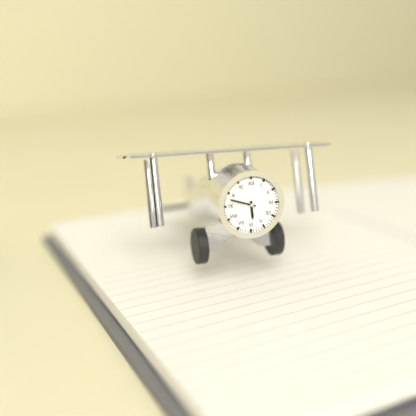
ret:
5:48
